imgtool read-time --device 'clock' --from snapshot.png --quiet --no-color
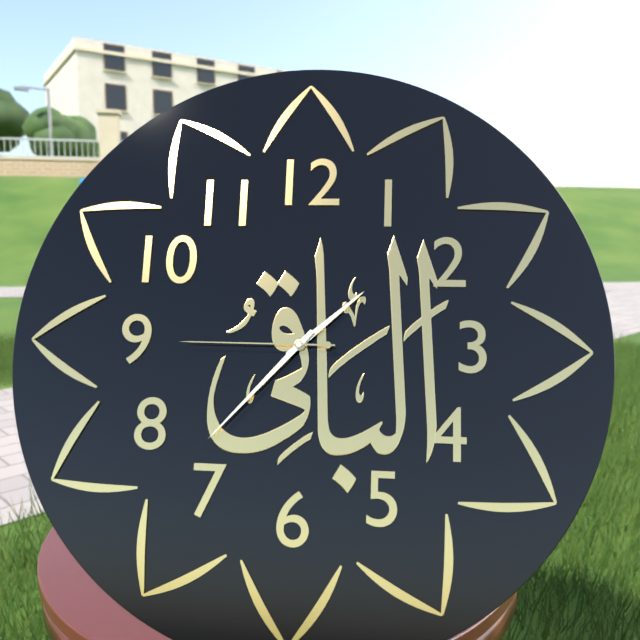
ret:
1:37:45
